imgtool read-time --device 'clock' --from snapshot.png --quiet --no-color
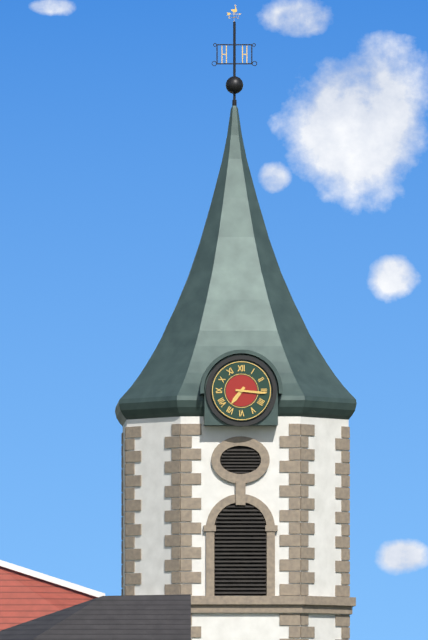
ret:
7:16
